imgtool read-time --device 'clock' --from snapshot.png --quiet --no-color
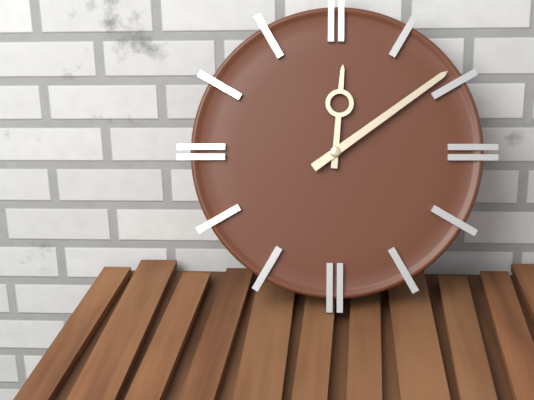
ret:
12:09
